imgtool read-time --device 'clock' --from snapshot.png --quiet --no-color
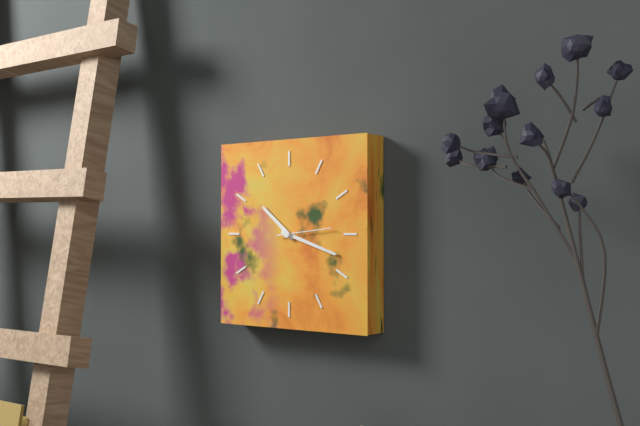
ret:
10:18:14
